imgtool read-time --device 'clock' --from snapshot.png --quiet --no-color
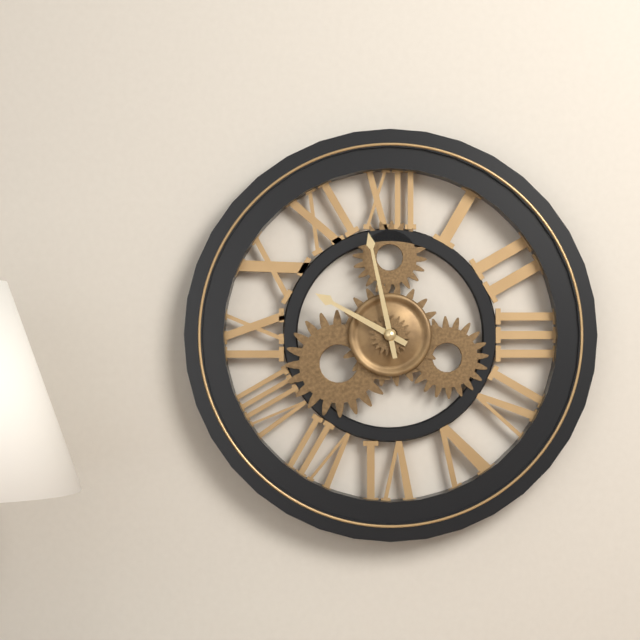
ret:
9:58
